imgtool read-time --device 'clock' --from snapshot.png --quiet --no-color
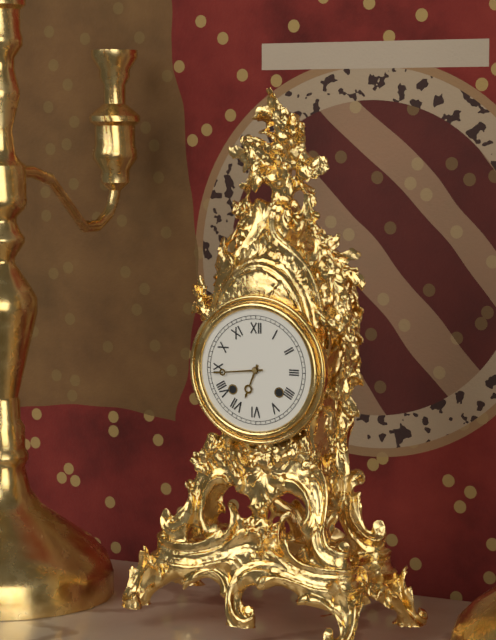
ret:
6:44
